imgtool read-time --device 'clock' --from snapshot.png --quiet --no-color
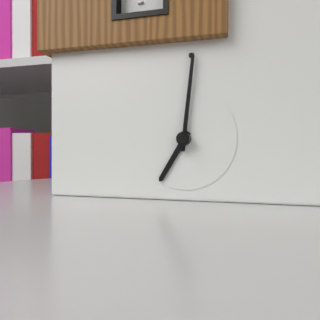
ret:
7:01
